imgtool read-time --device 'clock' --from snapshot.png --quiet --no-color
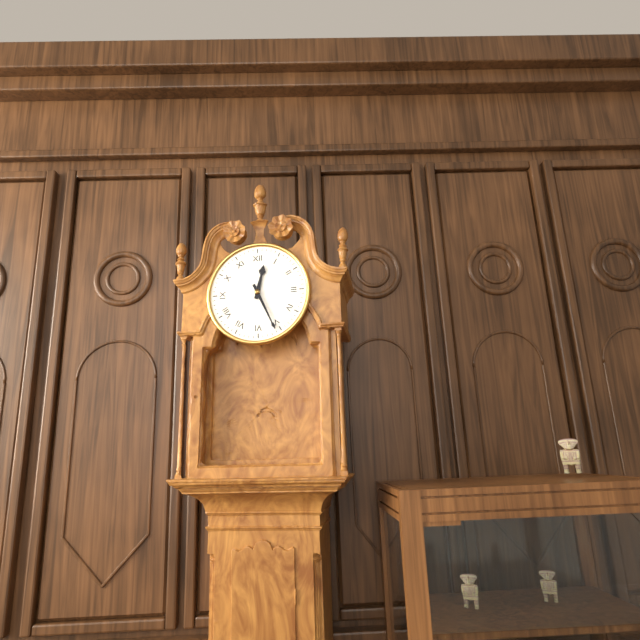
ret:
12:26
